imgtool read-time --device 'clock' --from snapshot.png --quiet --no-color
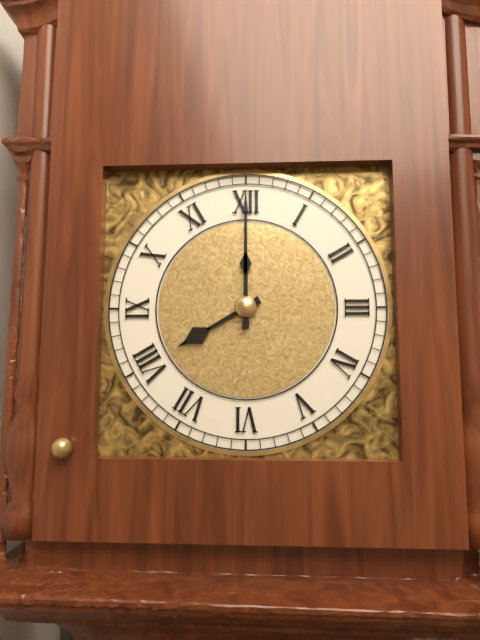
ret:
8:00
